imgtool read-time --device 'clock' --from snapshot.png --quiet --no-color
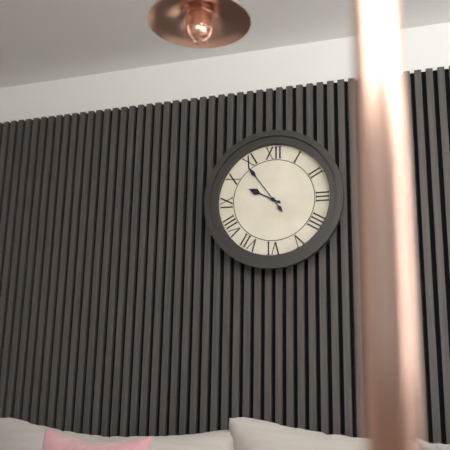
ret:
9:54
